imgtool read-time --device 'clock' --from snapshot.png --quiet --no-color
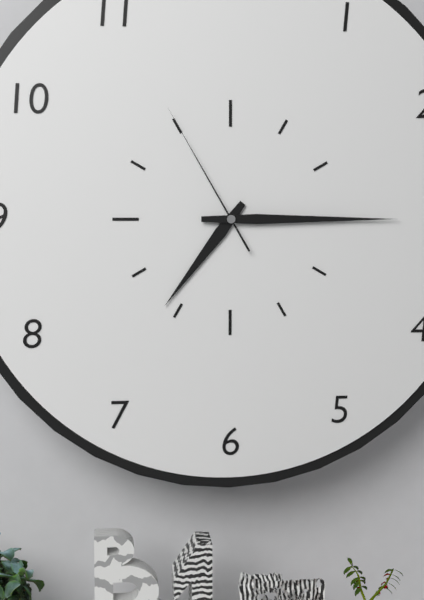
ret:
7:15:55
